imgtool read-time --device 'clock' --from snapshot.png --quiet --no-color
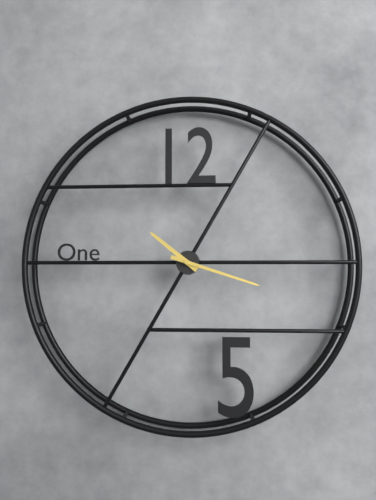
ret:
10:18
